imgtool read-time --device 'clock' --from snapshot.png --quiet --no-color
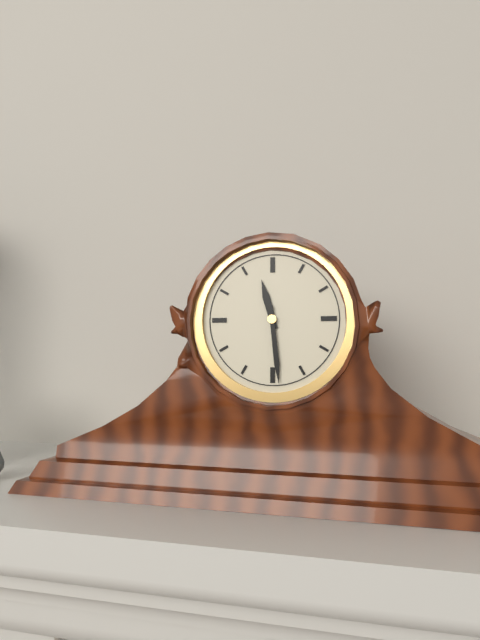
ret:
11:29
